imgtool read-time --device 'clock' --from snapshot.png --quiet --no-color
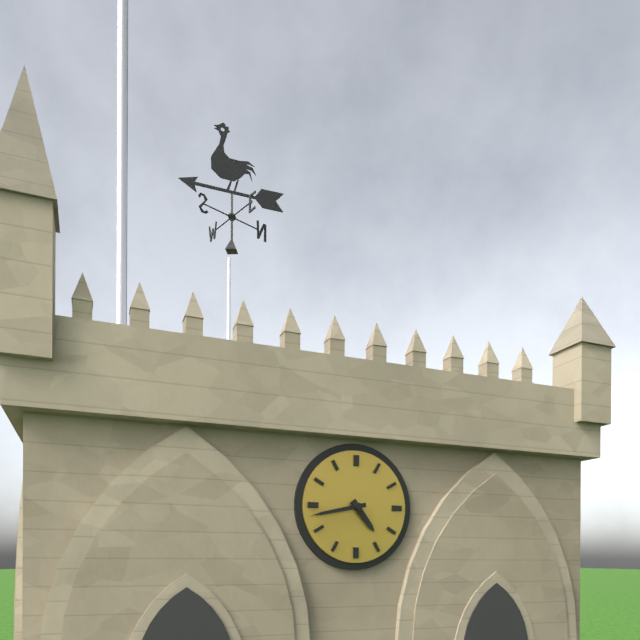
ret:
4:43
